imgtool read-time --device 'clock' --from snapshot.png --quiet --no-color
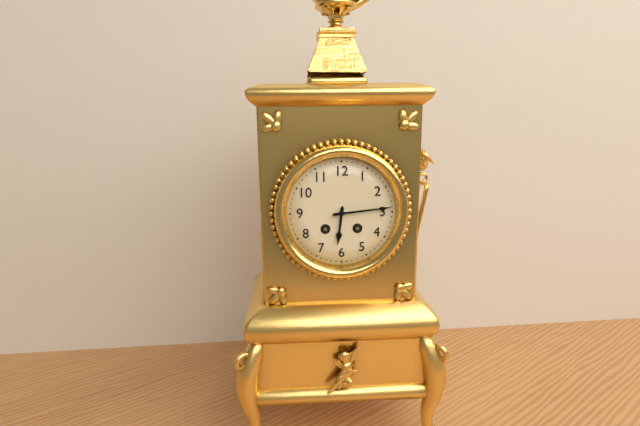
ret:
6:14
